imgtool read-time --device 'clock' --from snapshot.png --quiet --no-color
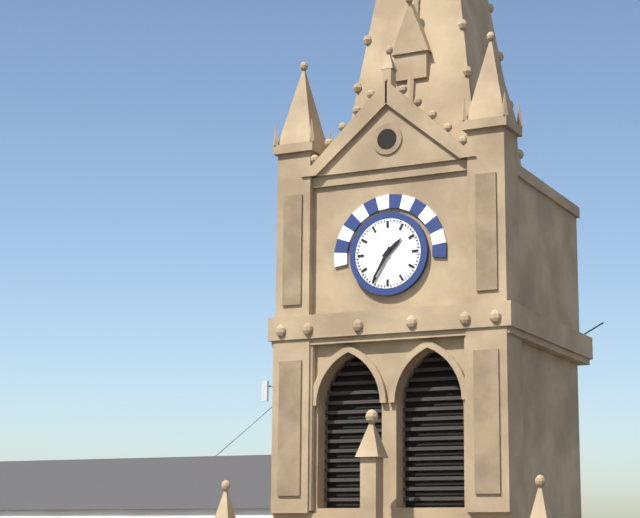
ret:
1:35
